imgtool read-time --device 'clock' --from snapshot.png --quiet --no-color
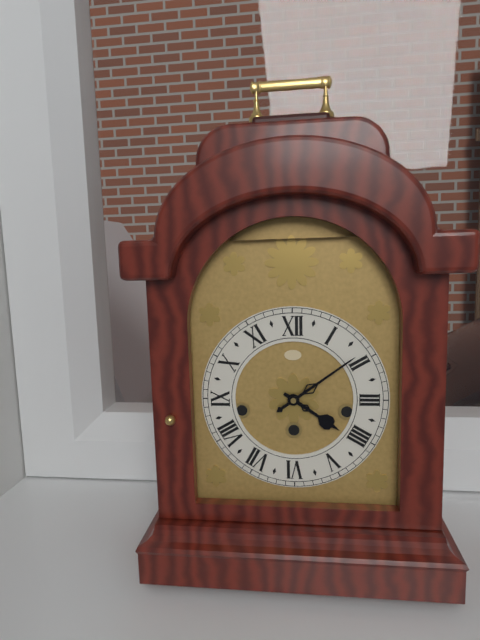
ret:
4:09
